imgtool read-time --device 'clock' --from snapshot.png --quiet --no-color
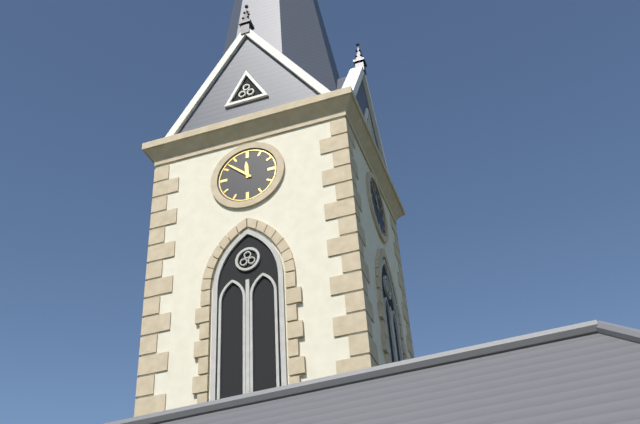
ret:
11:52
